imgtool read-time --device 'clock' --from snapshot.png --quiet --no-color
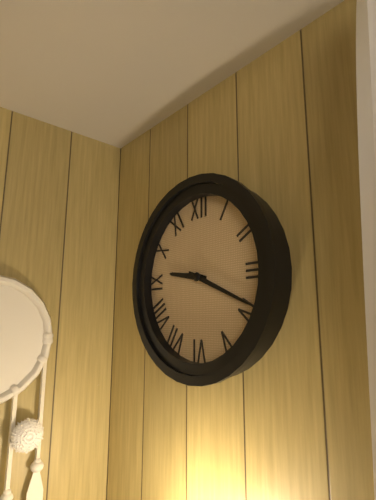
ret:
9:19
